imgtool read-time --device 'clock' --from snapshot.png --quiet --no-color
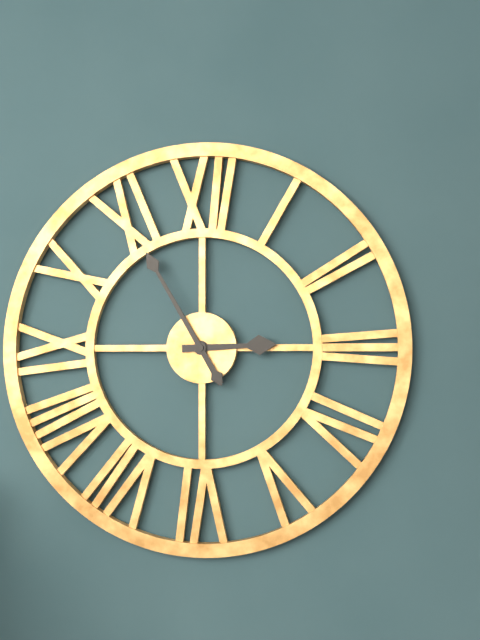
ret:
2:55
